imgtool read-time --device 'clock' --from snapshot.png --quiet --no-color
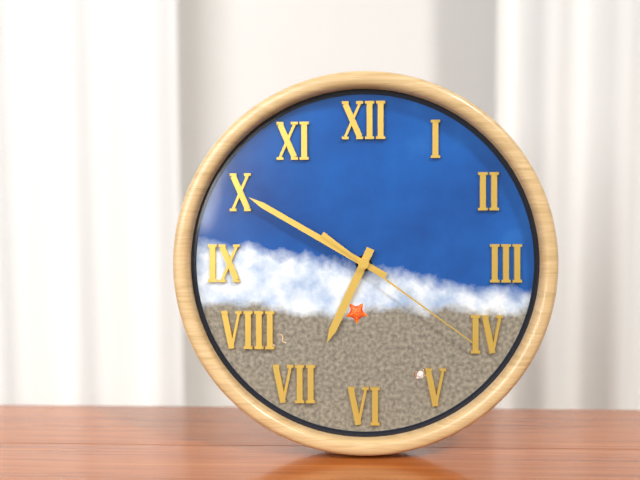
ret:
6:50:21
